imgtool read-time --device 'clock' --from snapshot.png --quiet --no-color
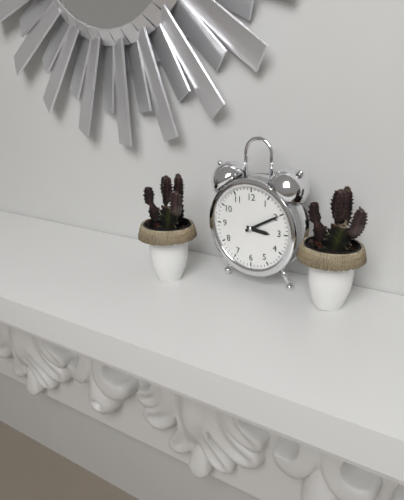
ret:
3:10
